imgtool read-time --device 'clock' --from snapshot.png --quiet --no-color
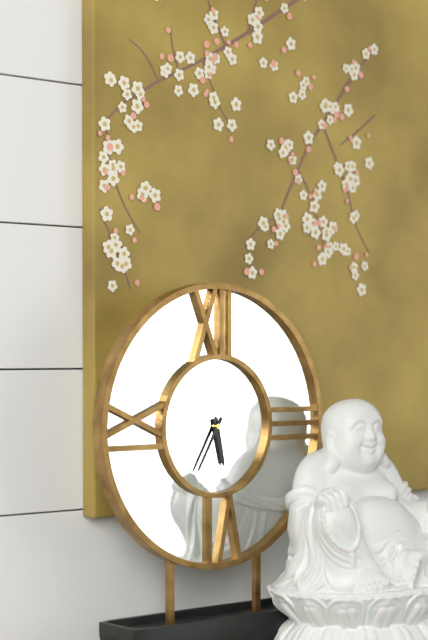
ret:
5:35
